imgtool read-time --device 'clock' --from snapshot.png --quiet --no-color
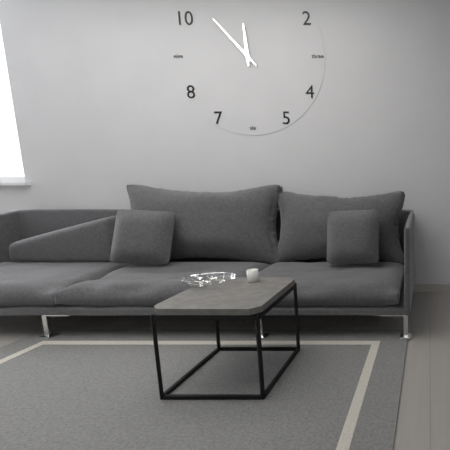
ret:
11:53
